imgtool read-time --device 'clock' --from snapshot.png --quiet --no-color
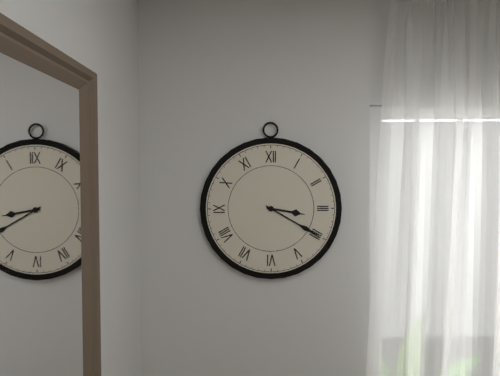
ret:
3:20
